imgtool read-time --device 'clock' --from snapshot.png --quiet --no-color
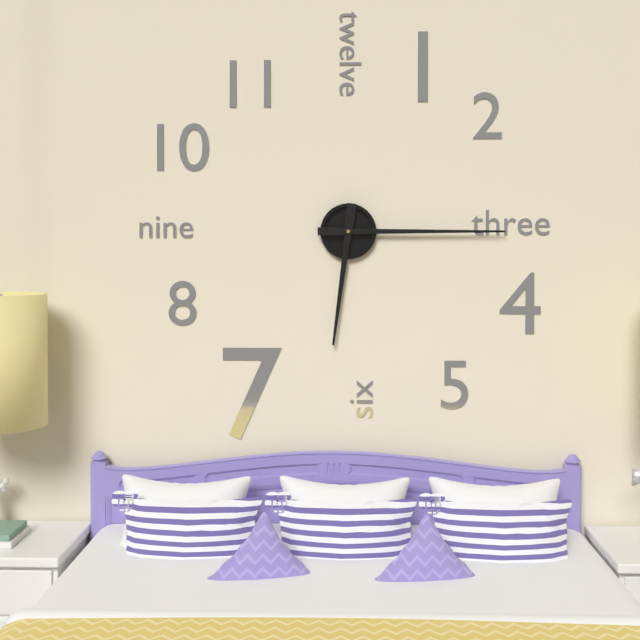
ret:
6:15
